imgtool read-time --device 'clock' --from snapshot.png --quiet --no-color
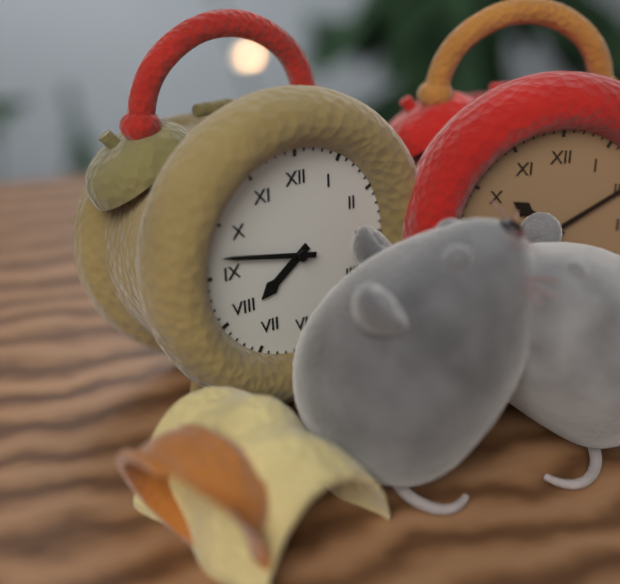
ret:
7:47
